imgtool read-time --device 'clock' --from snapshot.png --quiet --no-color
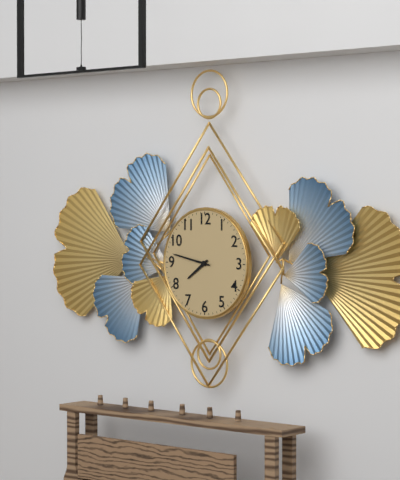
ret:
7:47
